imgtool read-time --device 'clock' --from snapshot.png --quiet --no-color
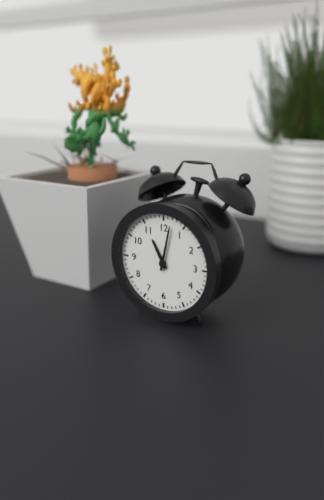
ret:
11:02
